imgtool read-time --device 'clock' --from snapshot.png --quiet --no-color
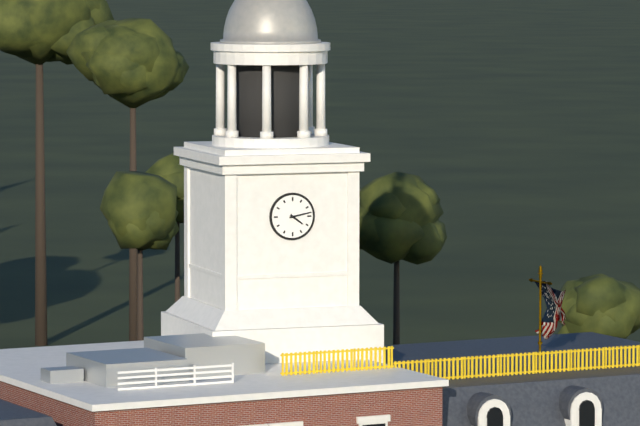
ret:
4:13
